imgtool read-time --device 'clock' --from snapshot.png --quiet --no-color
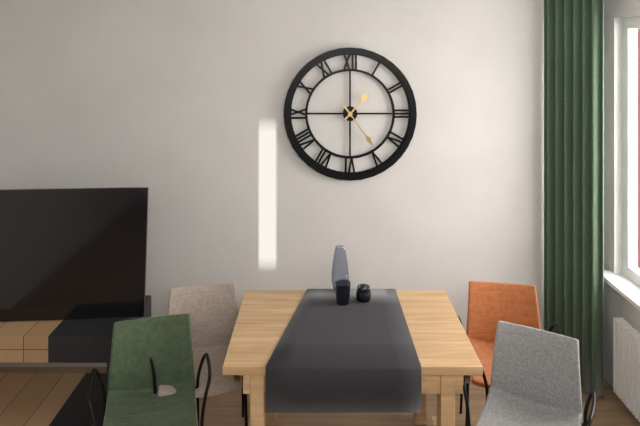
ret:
1:24
